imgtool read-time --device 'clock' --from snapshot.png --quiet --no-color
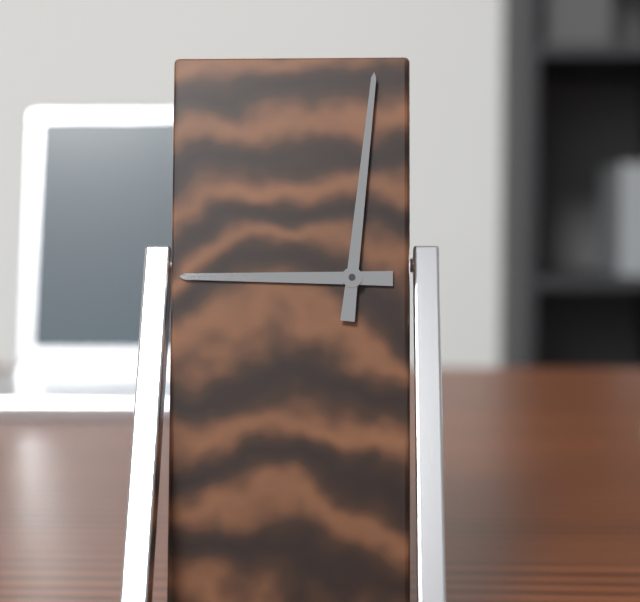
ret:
9:01
